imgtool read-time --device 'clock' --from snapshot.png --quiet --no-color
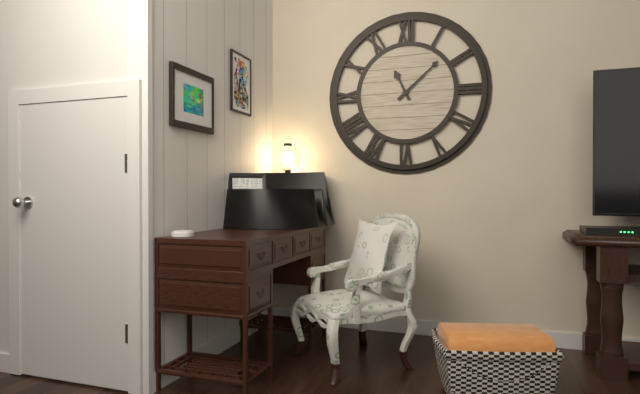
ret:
11:08
